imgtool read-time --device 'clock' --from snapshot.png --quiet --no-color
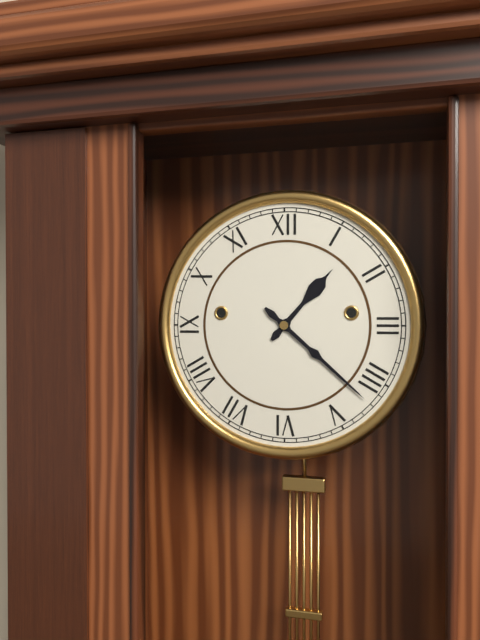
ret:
1:22
